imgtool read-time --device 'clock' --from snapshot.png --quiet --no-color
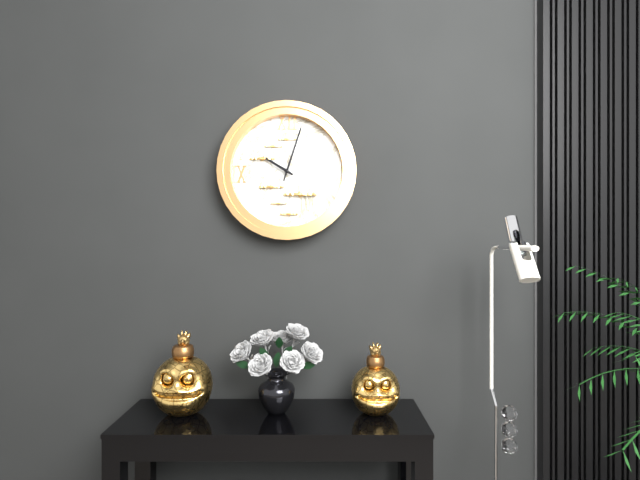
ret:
10:03
